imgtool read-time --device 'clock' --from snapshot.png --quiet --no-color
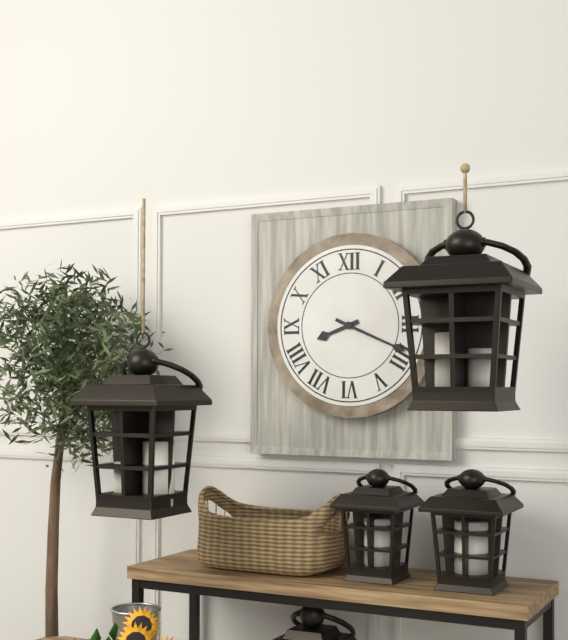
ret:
8:19
